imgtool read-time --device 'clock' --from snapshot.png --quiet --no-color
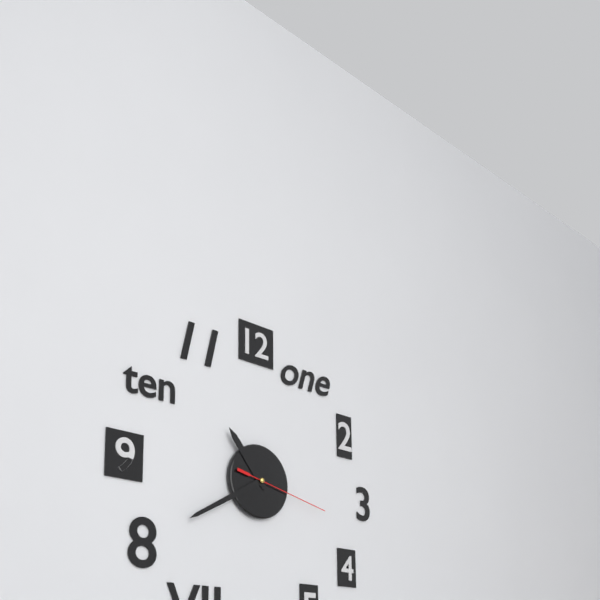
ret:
10:40:17
